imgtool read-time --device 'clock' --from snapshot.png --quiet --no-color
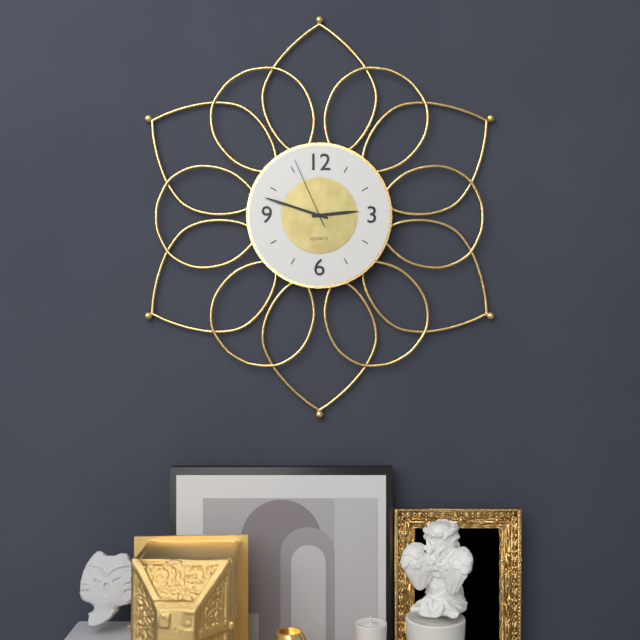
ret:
2:48:56
